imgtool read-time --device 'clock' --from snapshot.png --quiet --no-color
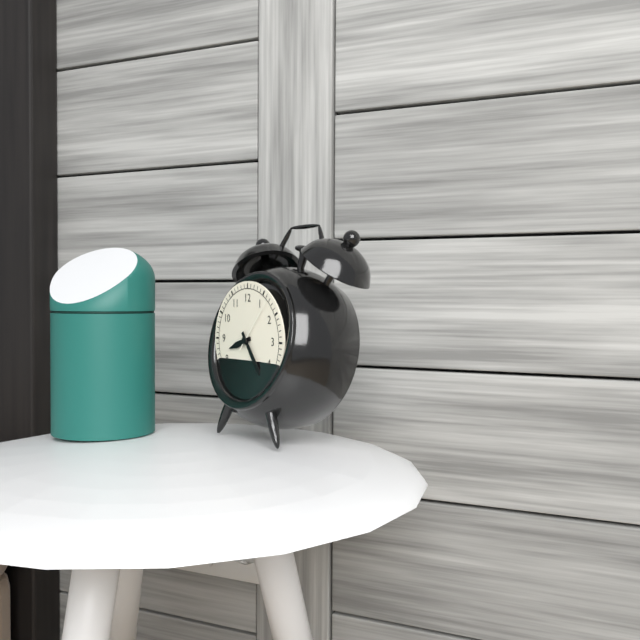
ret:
8:24:07
